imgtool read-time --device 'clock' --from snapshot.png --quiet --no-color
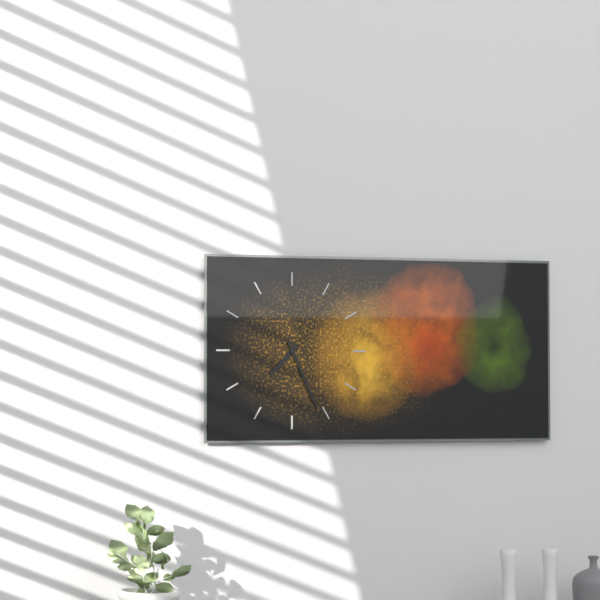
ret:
7:26
